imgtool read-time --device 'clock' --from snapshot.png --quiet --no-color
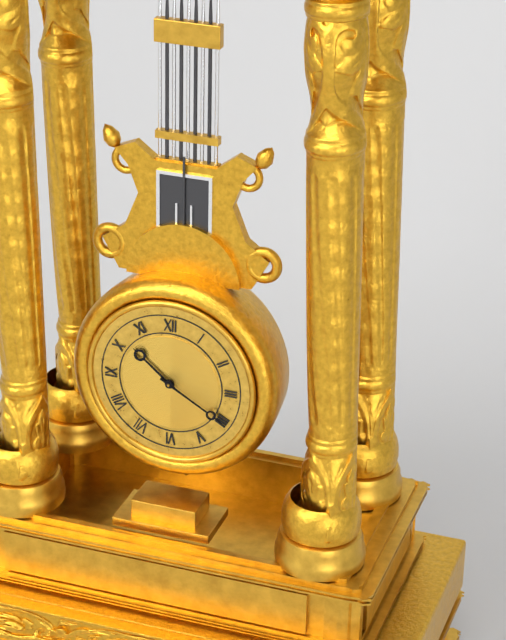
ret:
10:20
